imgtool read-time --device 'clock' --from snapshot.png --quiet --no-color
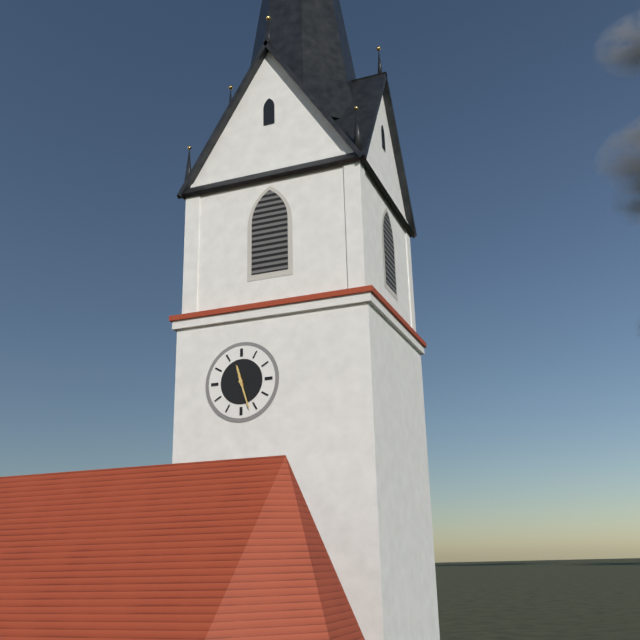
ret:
11:27
